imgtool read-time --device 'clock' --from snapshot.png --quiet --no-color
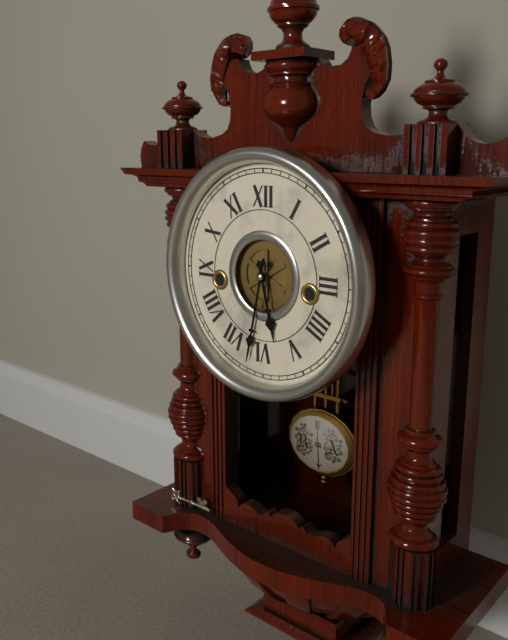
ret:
5:32
